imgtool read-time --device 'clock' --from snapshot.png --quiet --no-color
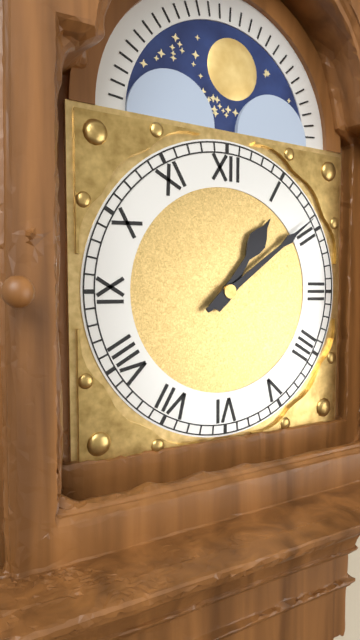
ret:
1:09
